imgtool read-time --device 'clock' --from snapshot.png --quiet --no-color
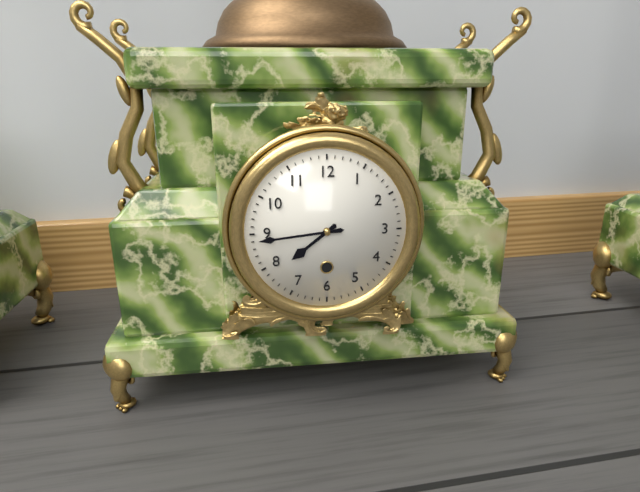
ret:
7:44
